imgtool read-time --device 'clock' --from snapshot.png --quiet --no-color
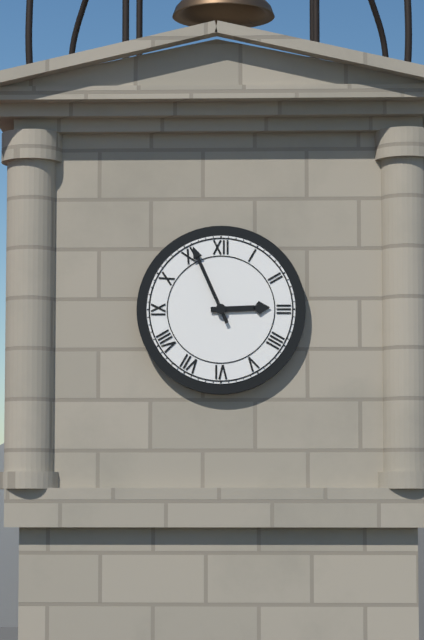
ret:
2:56
